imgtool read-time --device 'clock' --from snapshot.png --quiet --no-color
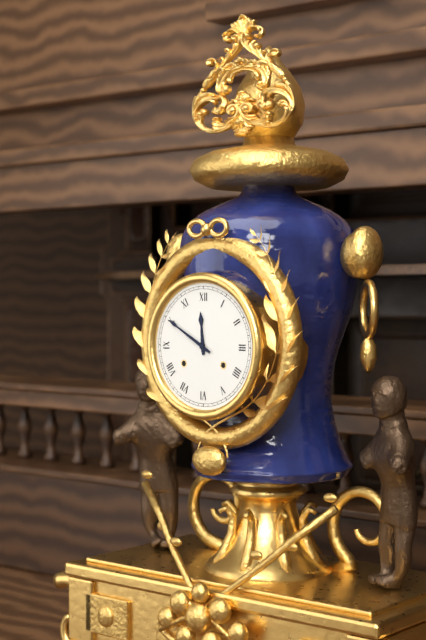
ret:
11:50
